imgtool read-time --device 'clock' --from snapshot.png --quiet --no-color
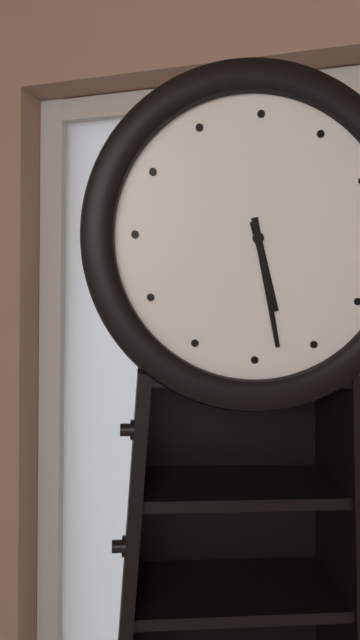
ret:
5:28
